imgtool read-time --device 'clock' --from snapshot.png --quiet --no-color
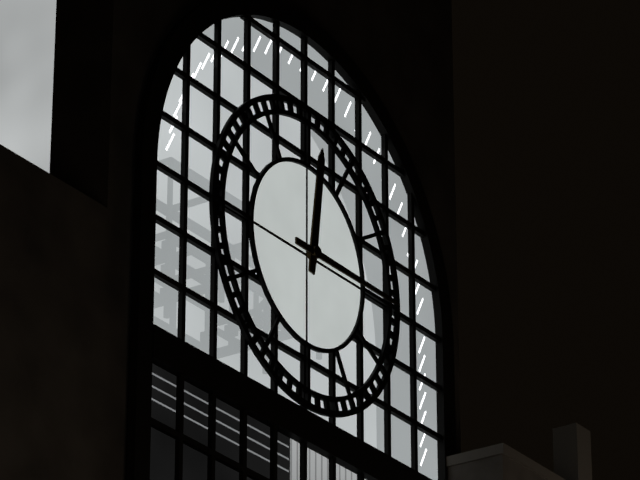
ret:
12:15
